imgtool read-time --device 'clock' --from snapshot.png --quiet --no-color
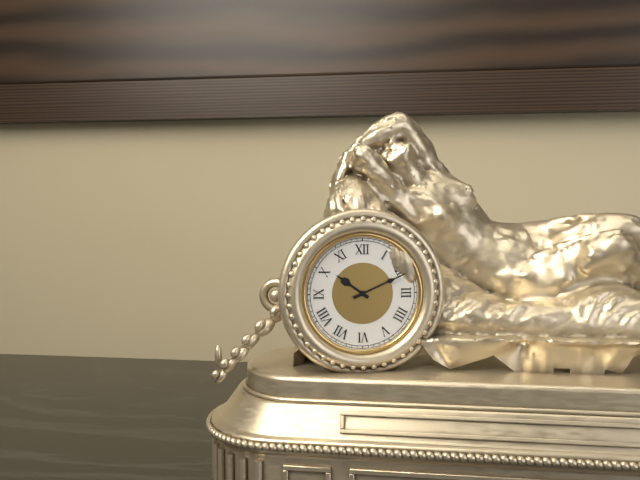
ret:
10:11
